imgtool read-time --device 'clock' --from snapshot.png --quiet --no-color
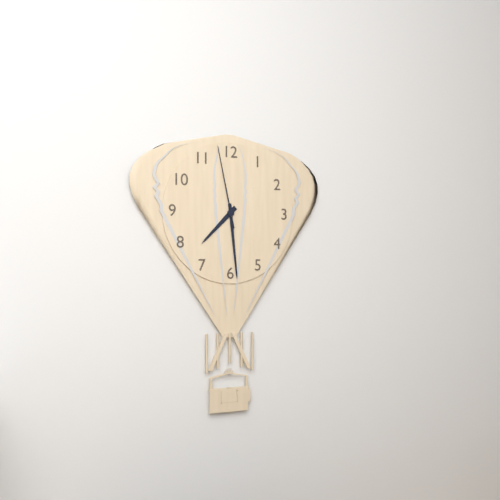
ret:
7:29:58
